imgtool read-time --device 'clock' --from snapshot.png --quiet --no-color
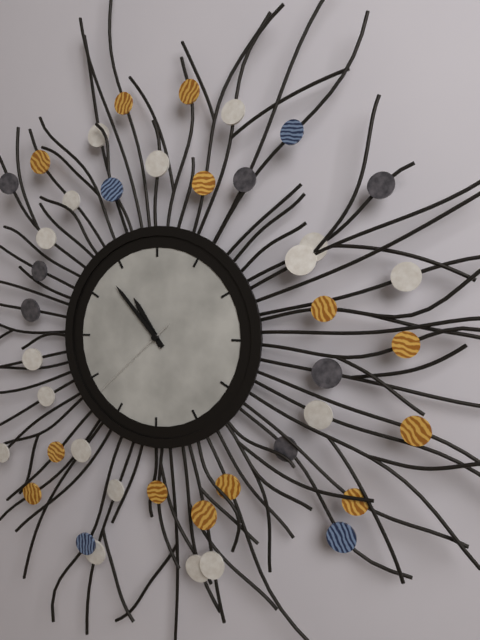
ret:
10:53:38
